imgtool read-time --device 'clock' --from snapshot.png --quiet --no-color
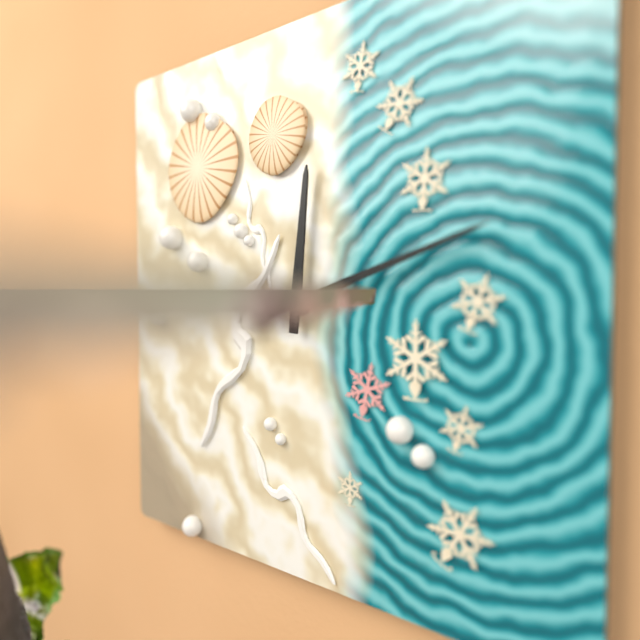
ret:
12:12
